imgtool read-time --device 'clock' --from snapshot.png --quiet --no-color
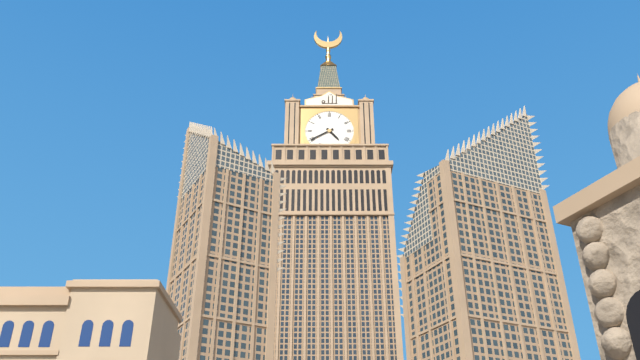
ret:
4:40
